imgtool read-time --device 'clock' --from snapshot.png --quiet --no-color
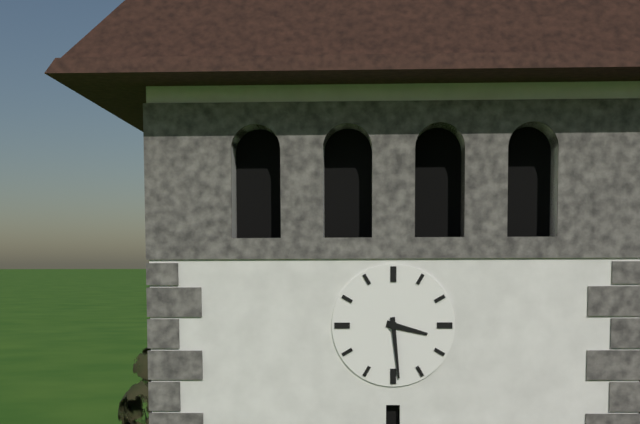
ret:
3:29
